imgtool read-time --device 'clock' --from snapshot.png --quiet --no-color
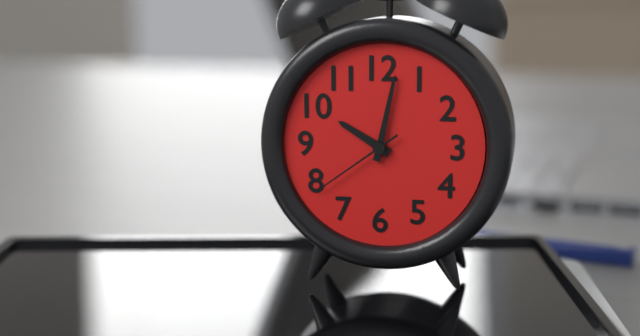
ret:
10:02:39
